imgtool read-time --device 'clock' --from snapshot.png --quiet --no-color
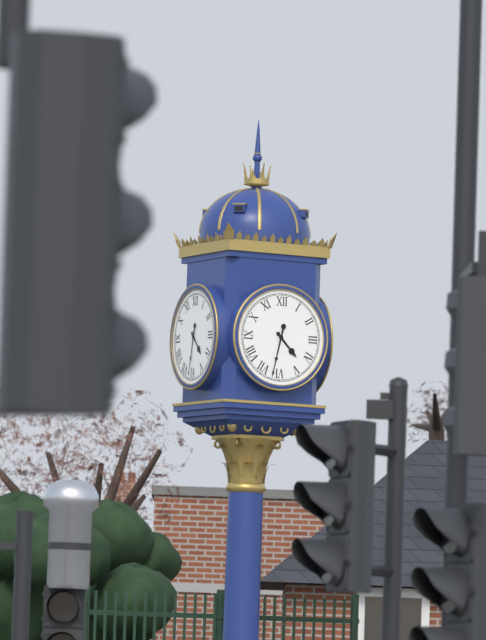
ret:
4:32
